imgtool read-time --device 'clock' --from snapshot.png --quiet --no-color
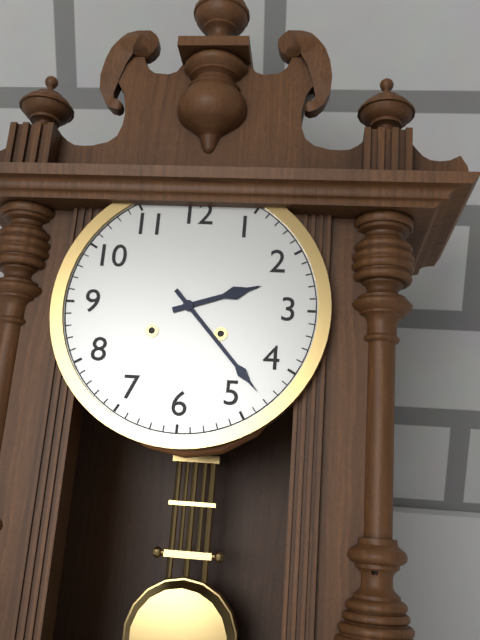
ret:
2:23
